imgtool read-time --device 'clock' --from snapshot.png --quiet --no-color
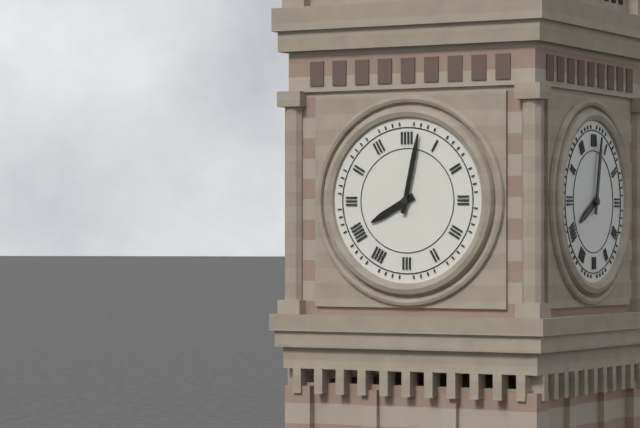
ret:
8:02
